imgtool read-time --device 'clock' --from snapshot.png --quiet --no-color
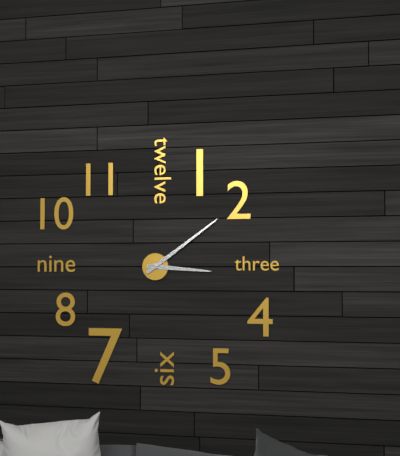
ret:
3:09
